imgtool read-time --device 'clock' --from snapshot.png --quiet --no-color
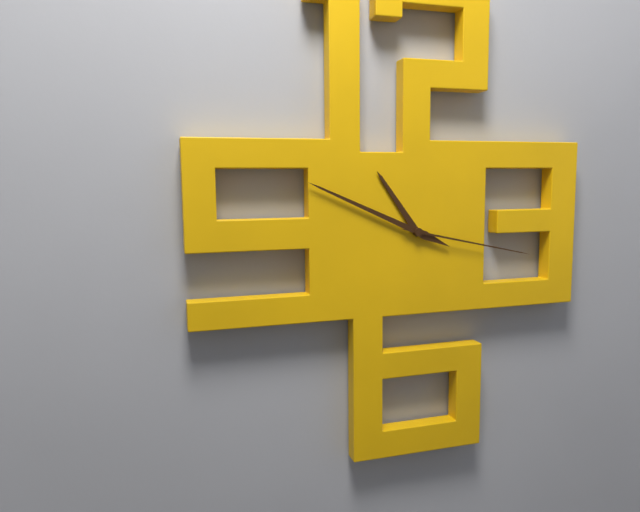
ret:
10:49:17
